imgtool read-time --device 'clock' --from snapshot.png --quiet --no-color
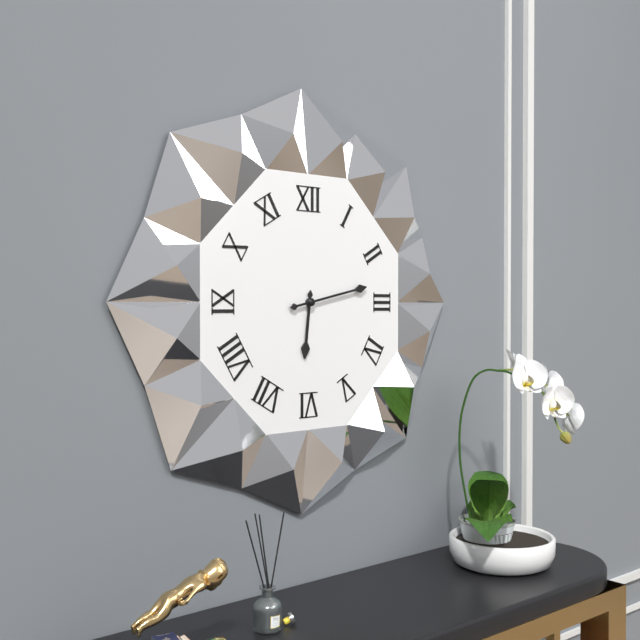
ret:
6:13
